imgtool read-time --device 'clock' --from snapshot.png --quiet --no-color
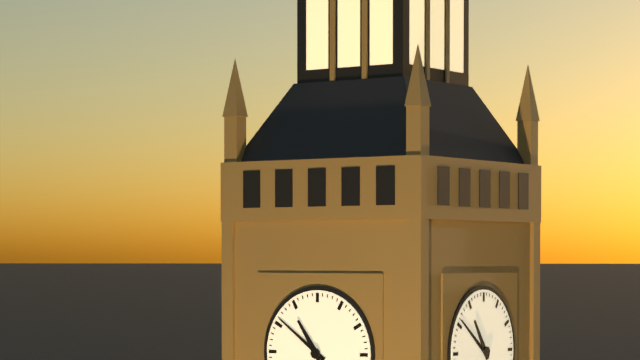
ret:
10:51
